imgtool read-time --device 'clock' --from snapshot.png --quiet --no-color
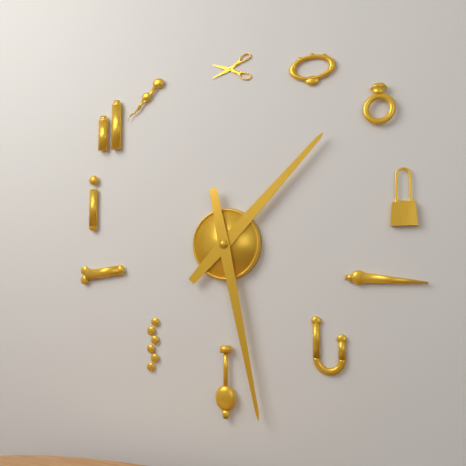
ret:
1:28
